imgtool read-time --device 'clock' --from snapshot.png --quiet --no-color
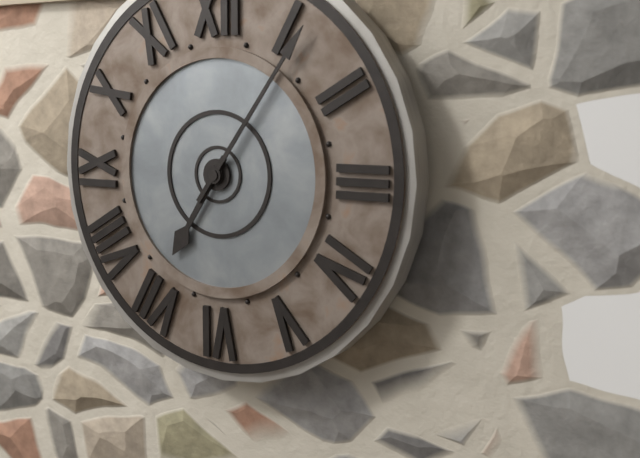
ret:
7:06
